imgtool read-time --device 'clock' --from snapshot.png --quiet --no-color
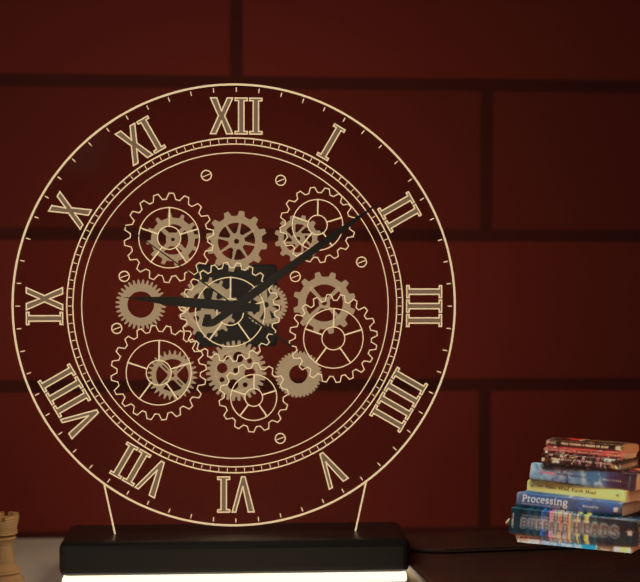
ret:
9:09:51
